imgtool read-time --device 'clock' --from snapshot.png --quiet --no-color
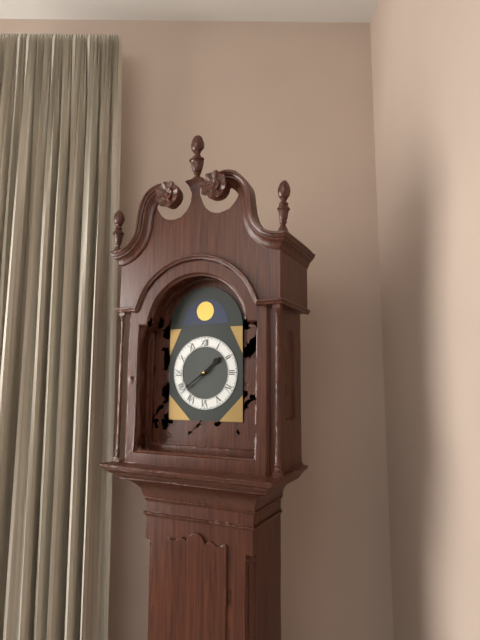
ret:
1:39
